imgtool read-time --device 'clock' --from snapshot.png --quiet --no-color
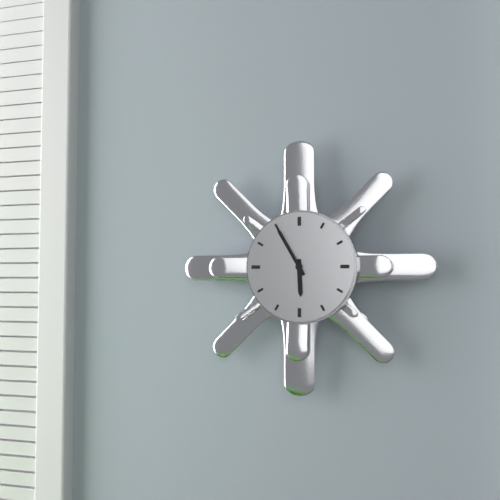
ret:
5:55
